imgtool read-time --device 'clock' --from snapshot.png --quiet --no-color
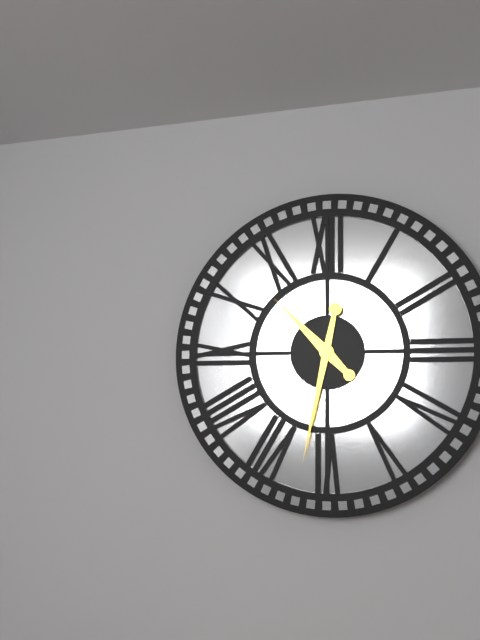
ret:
10:32
